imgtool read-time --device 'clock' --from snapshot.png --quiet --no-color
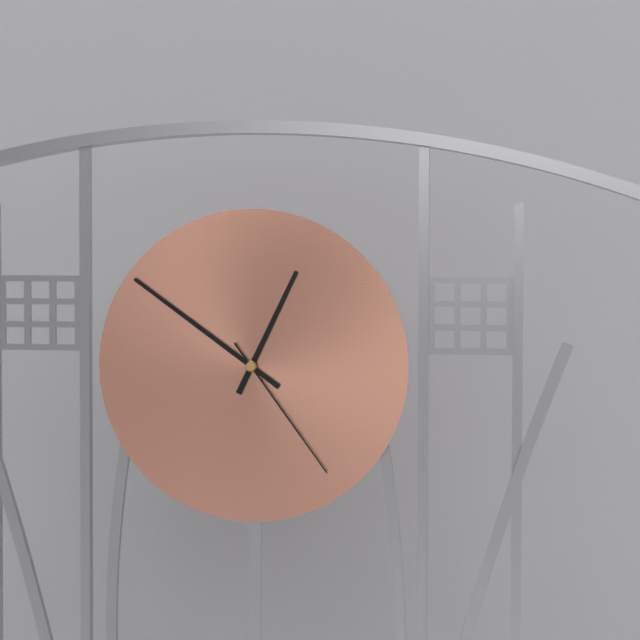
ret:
12:51:24
